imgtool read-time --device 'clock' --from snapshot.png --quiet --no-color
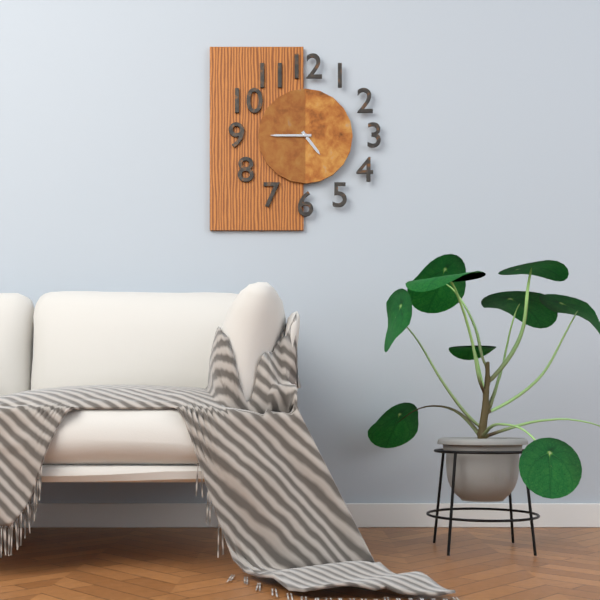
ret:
4:45
